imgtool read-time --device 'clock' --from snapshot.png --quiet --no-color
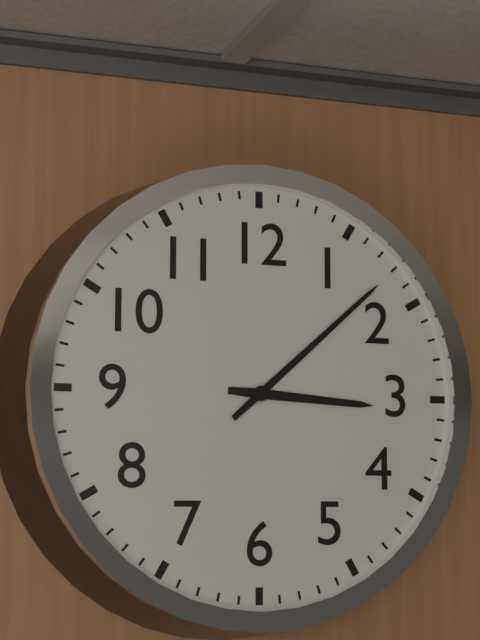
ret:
3:08
